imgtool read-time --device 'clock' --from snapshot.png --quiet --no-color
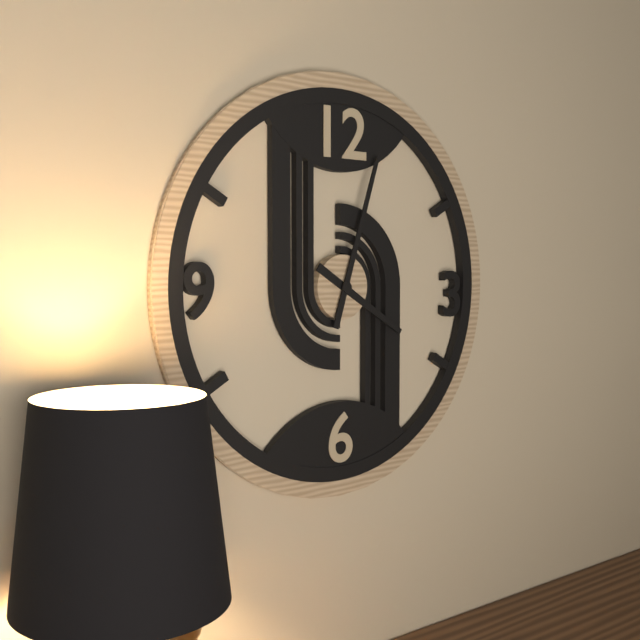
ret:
4:03
